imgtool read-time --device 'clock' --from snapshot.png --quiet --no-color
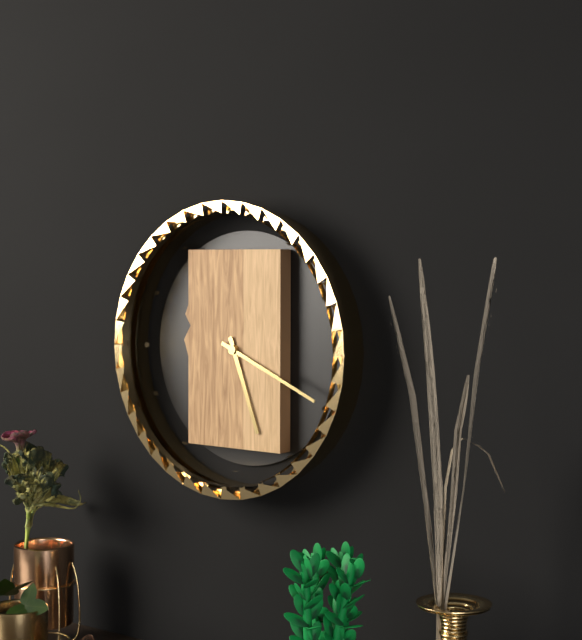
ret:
5:19
